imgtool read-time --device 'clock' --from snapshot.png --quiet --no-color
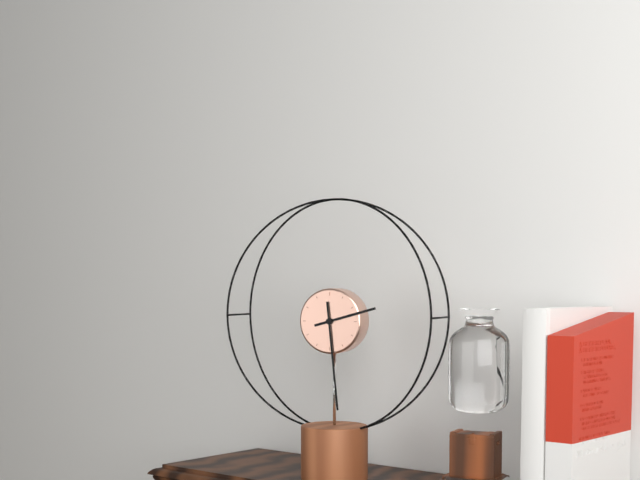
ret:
2:29
